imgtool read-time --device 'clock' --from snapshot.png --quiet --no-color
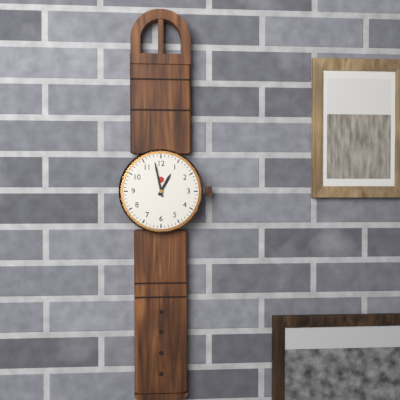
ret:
12:58
